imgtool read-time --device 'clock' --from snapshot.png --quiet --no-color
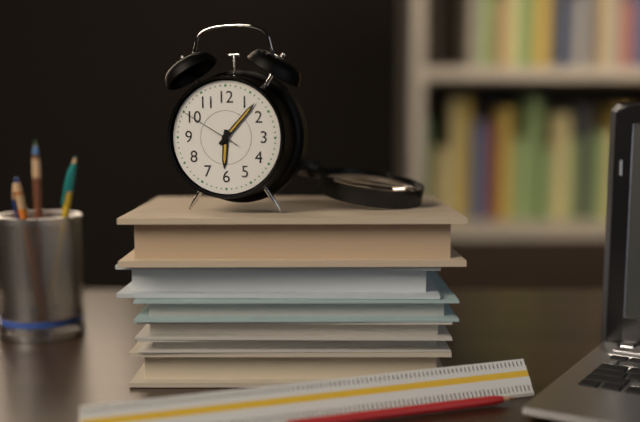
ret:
6:07:50
